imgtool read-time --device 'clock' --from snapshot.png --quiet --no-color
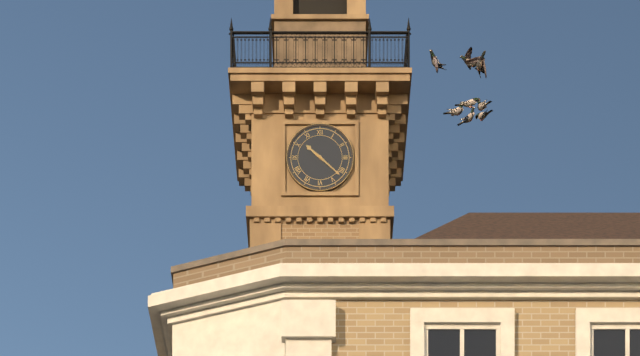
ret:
10:22
